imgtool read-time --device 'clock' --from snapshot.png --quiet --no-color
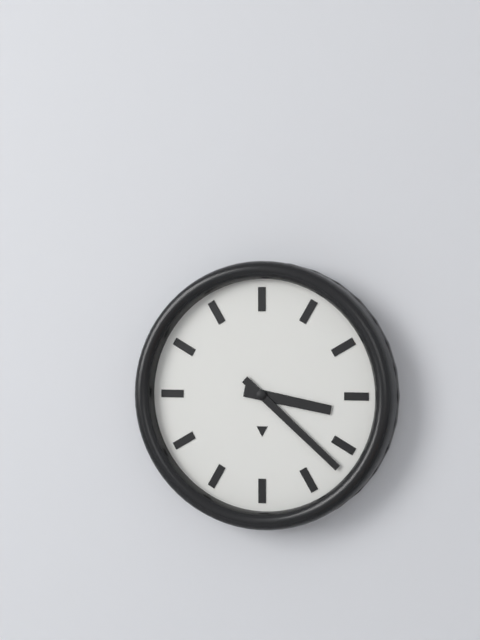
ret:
3:22
